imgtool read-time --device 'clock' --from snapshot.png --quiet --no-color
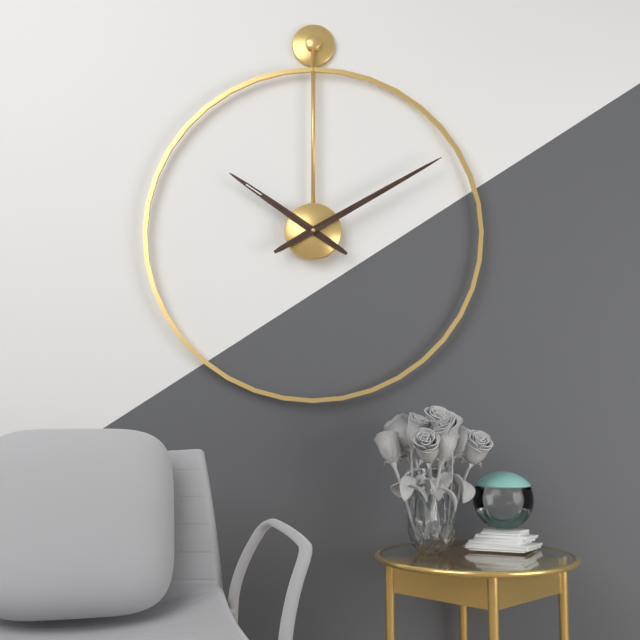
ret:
10:10
